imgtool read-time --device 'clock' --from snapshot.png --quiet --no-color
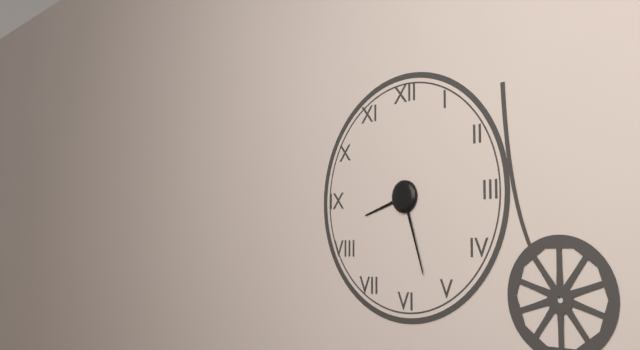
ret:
8:27
